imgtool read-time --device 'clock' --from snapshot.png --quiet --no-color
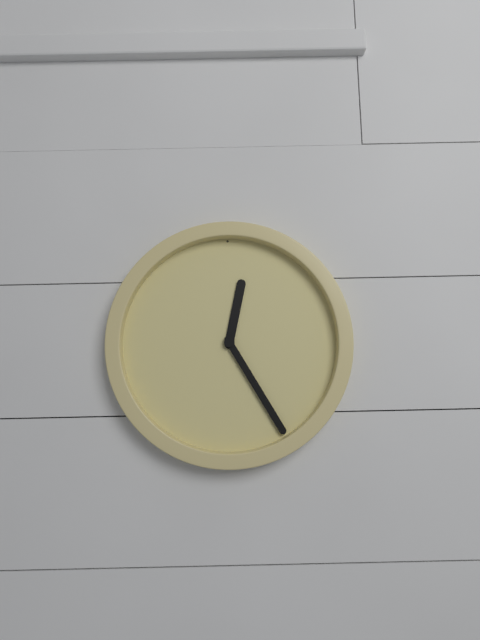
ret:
12:25
